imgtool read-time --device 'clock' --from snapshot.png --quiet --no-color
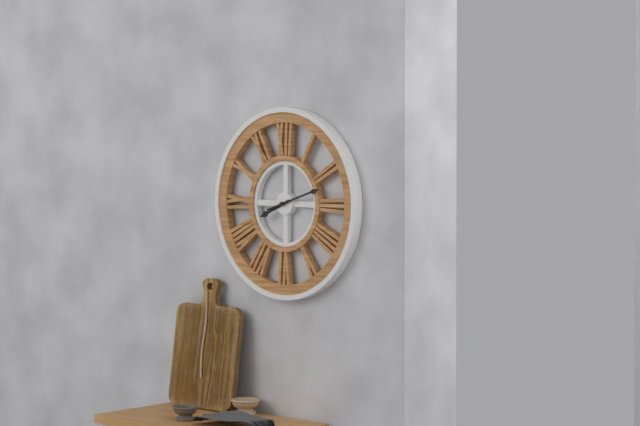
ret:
8:12
